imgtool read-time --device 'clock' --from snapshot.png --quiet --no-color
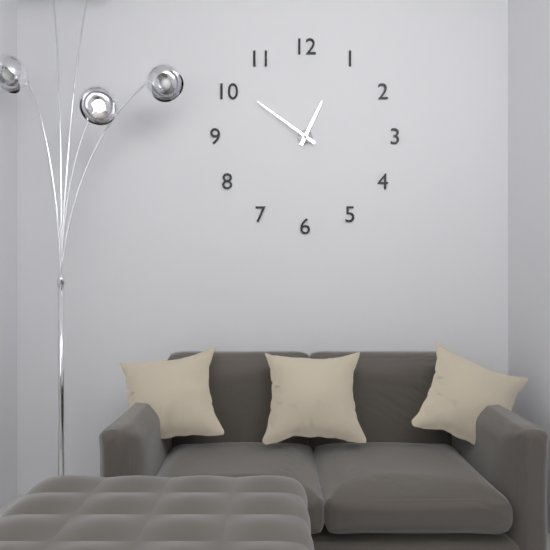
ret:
12:51
